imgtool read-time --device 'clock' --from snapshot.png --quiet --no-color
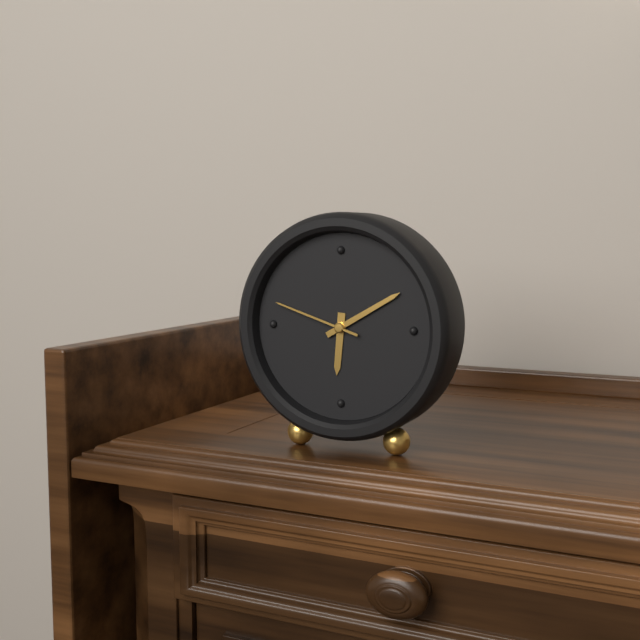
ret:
6:10:48
